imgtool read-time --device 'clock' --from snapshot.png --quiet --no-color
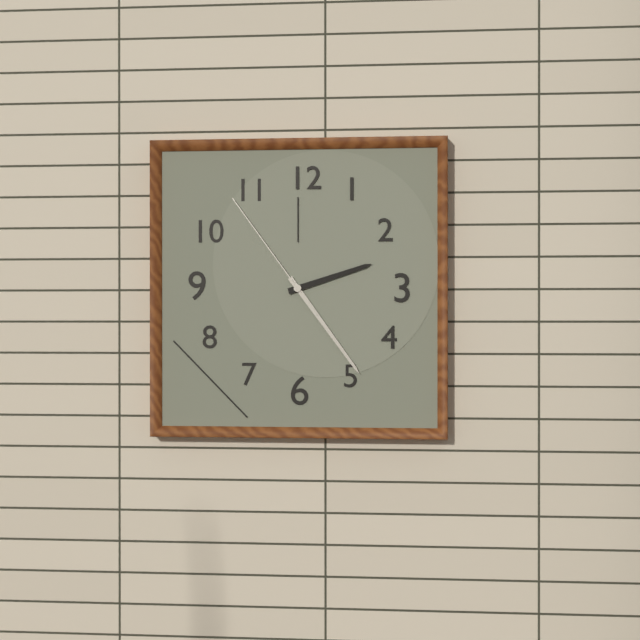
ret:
2:24:54
